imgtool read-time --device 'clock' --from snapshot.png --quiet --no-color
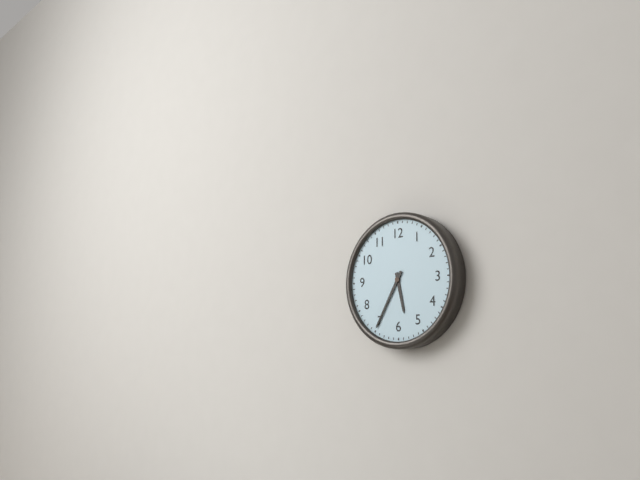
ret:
5:35
